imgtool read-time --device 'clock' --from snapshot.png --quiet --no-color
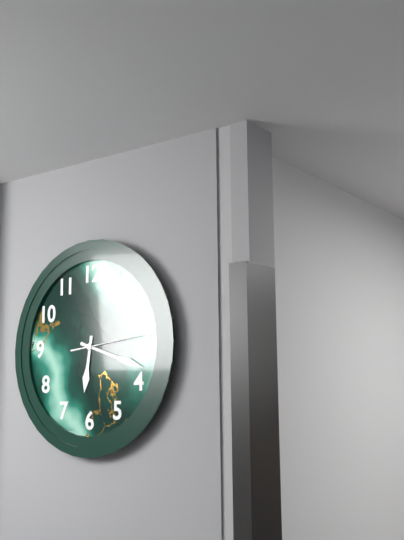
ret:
6:18:14
